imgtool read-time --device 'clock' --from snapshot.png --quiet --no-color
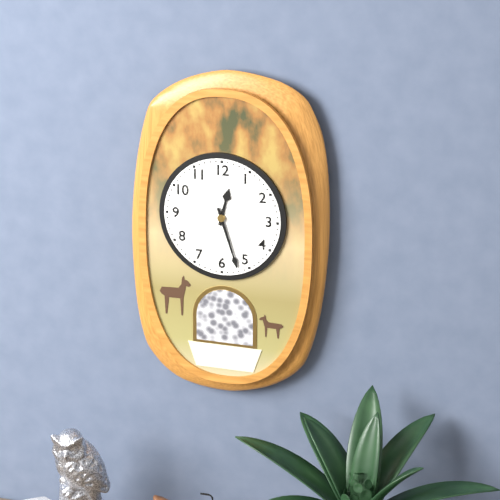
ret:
12:27
